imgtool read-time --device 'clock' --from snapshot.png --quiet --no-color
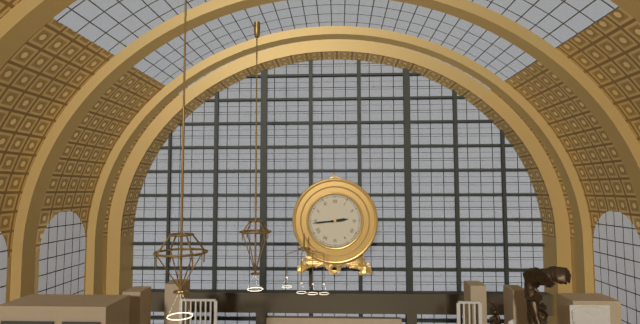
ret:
2:44
